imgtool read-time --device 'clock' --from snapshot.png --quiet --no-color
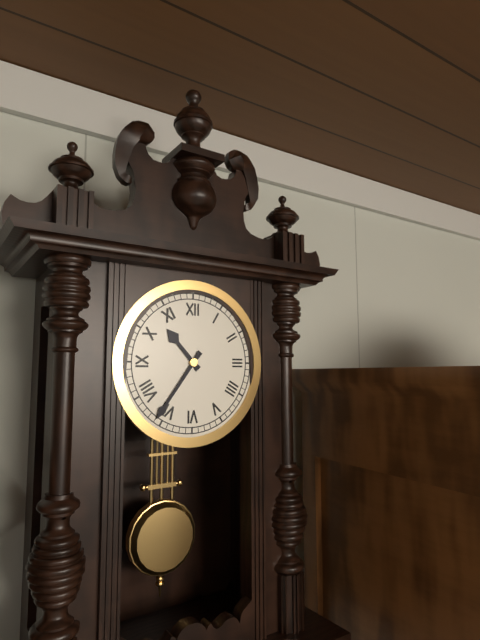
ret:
10:36
